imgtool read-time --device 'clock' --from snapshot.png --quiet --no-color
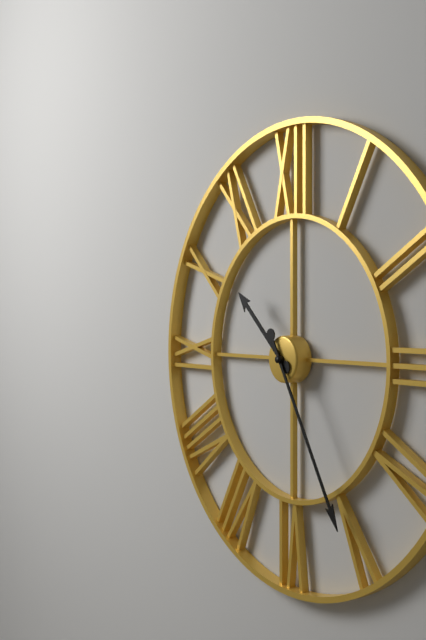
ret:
10:25
